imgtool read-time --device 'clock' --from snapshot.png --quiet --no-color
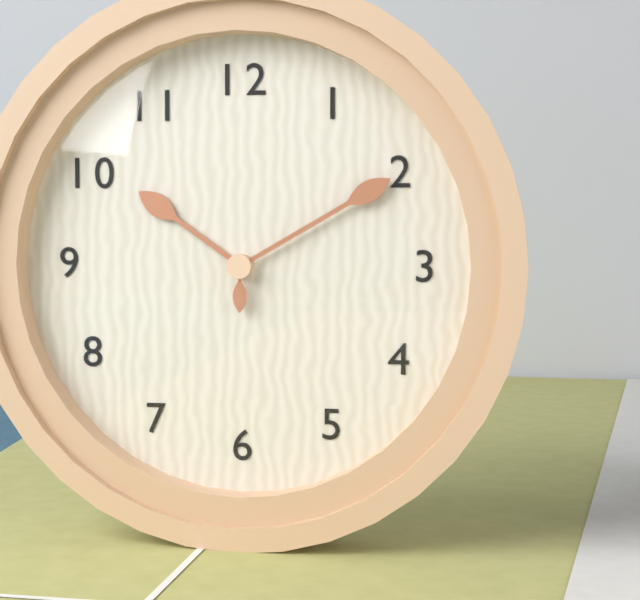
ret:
10:10:30
